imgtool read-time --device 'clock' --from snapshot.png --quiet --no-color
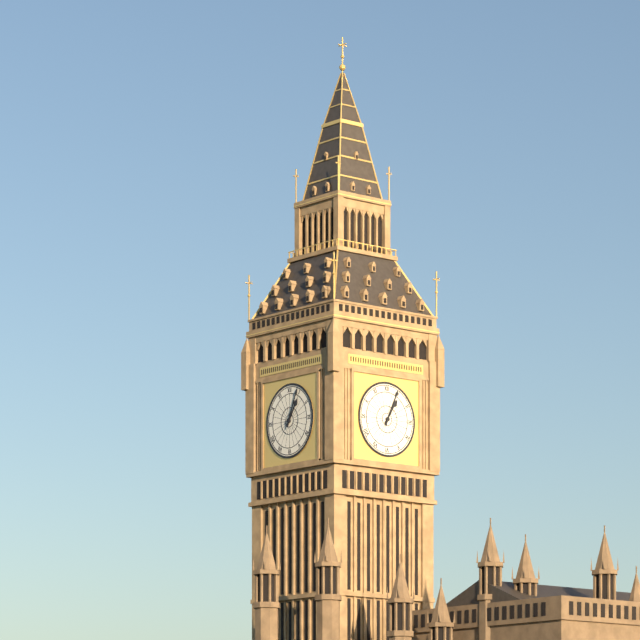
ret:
1:04
